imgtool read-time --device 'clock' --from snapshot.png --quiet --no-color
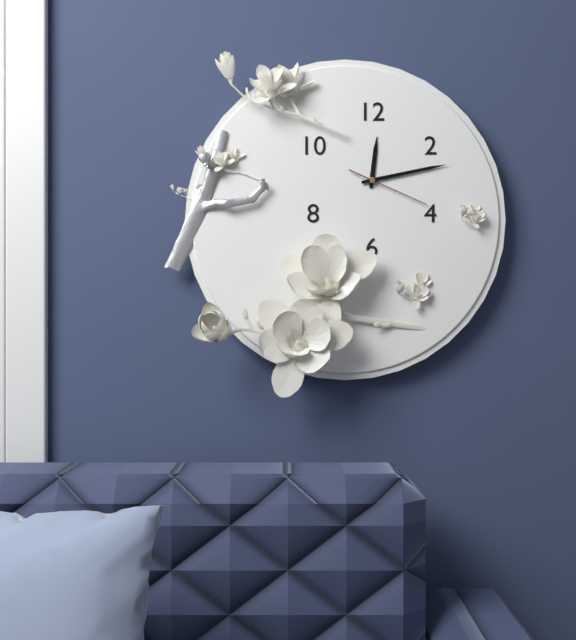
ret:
12:13:19
